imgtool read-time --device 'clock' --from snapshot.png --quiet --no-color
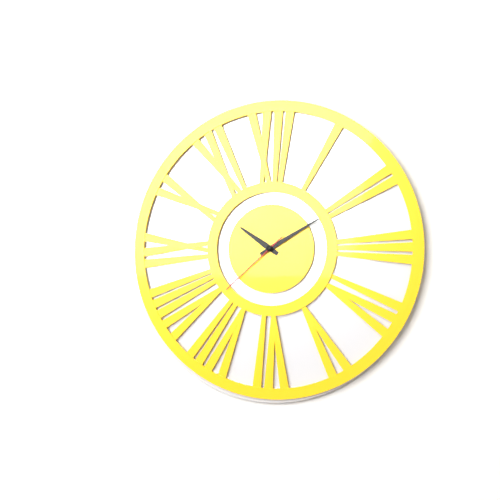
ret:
10:10:38
